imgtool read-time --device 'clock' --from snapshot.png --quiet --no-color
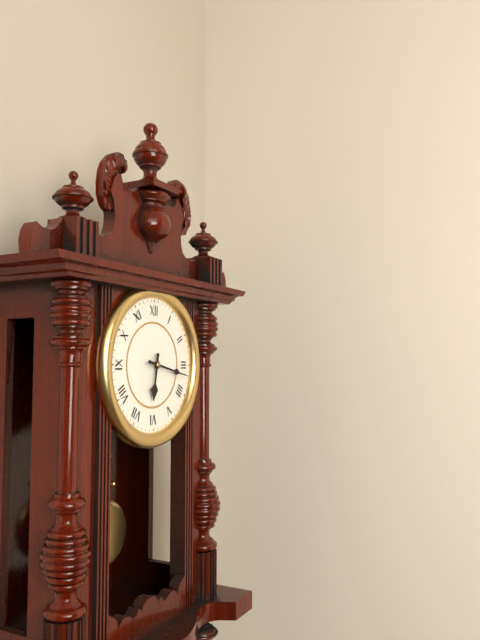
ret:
6:17
